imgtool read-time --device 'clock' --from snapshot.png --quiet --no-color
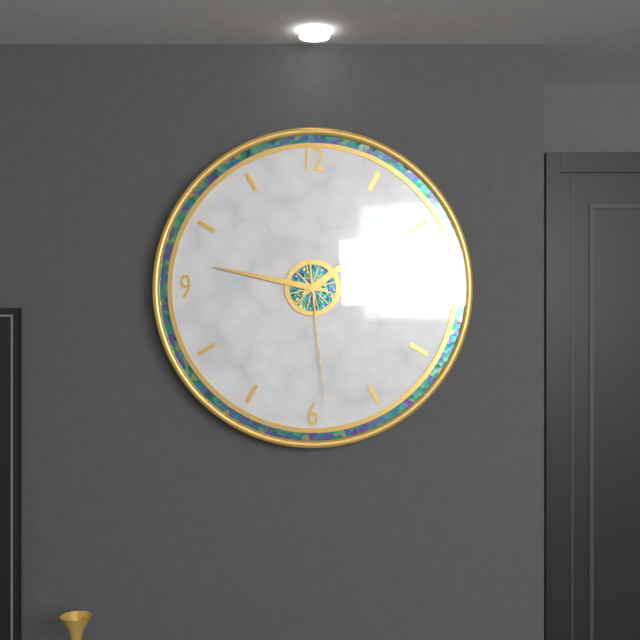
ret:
1:47:29
